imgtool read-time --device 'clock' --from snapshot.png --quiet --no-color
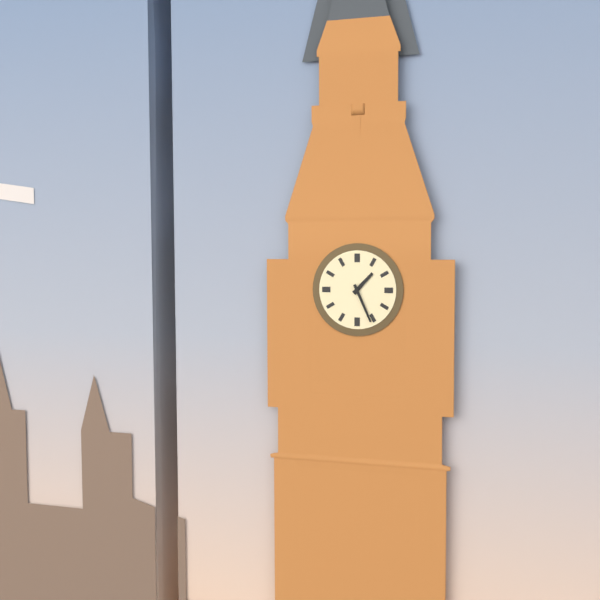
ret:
1:26
